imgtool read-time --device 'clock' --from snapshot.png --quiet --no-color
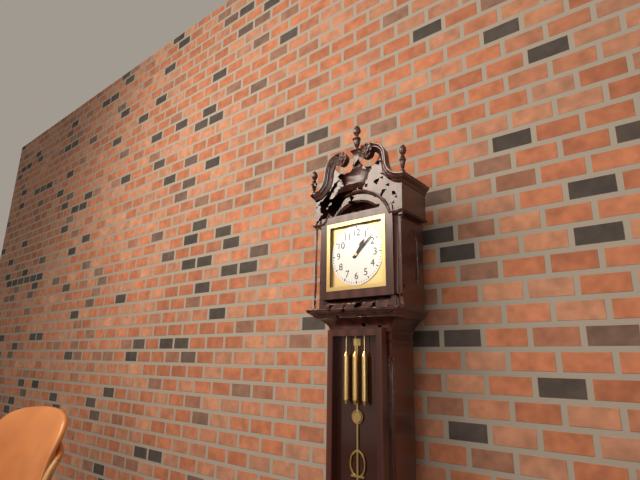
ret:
1:08
